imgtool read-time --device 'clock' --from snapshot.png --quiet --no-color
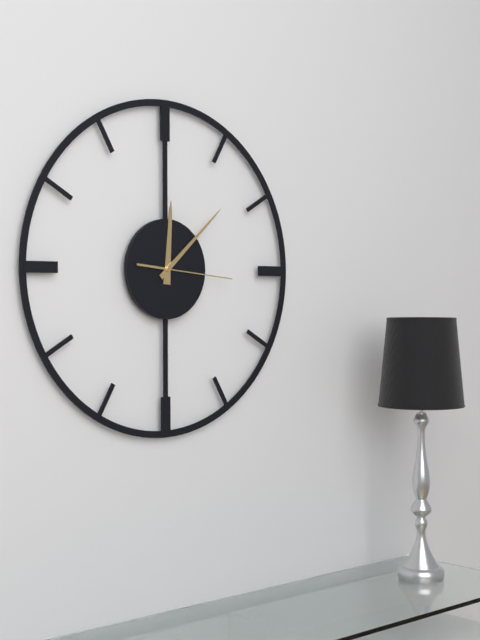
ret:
12:08:16
